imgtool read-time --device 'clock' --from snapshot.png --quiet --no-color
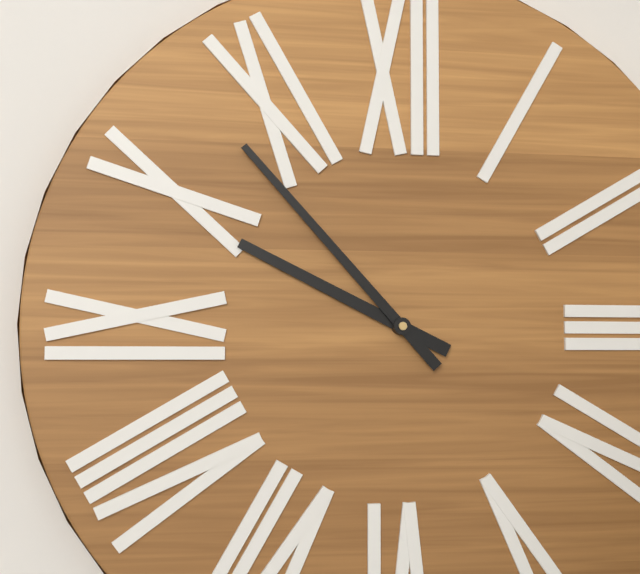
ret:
9:53
